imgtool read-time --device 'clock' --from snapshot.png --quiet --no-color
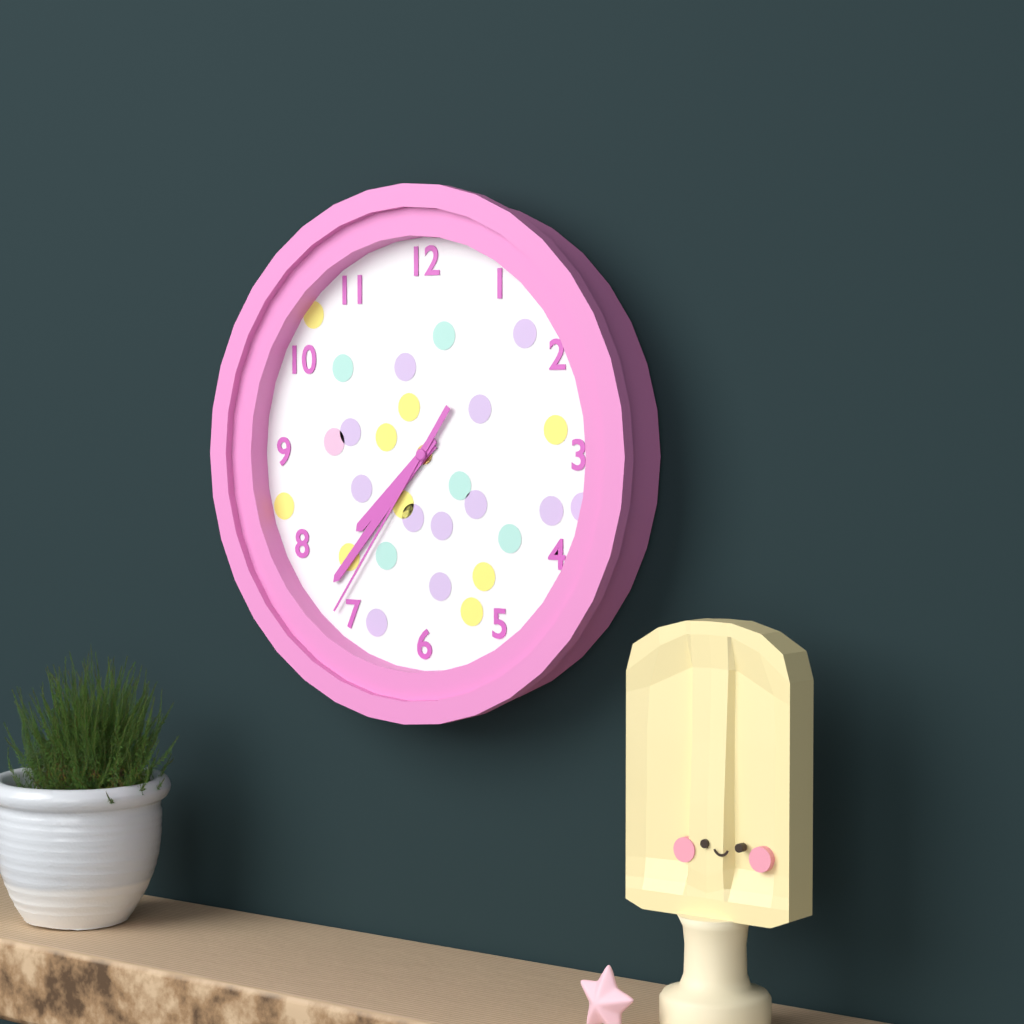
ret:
7:37:36
